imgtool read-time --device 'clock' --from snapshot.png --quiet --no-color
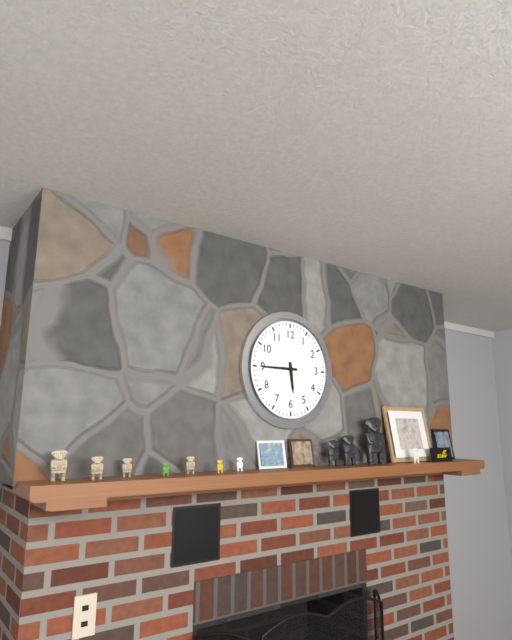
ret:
5:45
